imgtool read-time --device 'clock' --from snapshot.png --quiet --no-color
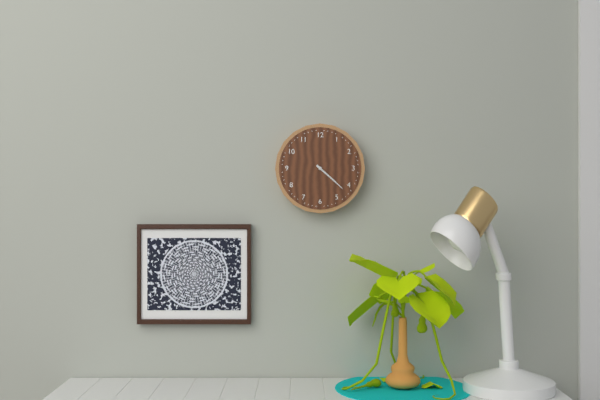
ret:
4:22
